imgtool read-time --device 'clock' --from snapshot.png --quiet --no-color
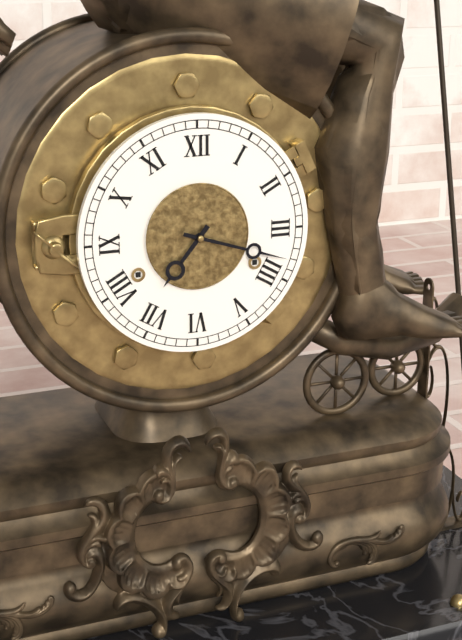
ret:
7:18
